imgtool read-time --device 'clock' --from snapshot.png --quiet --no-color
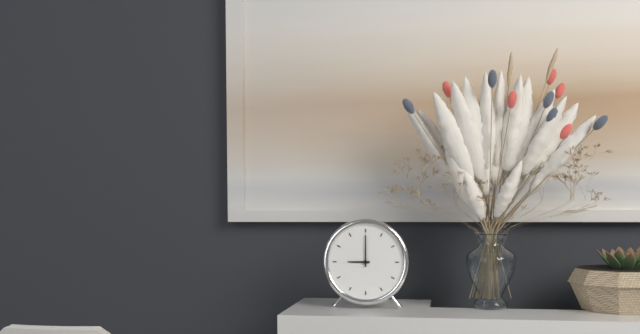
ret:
9:00
